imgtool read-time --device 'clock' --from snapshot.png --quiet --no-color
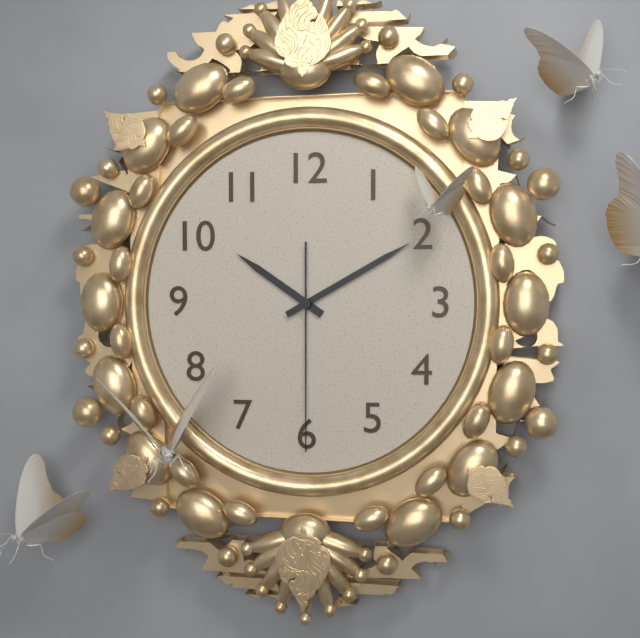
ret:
10:10:30
